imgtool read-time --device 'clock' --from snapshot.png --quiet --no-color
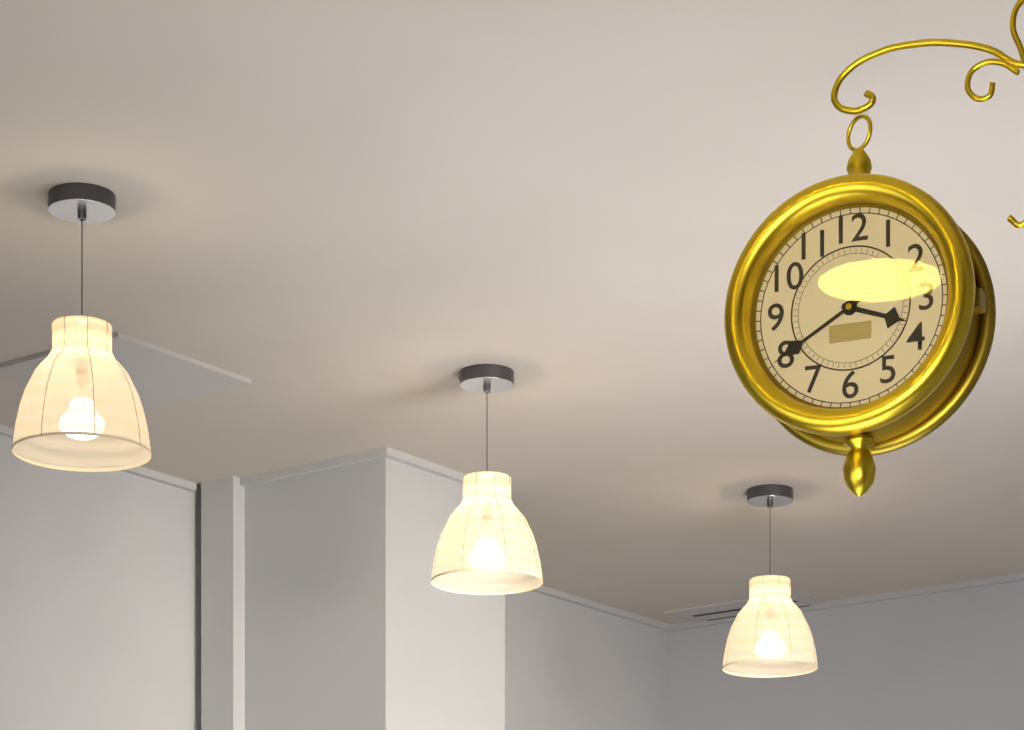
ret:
3:40
